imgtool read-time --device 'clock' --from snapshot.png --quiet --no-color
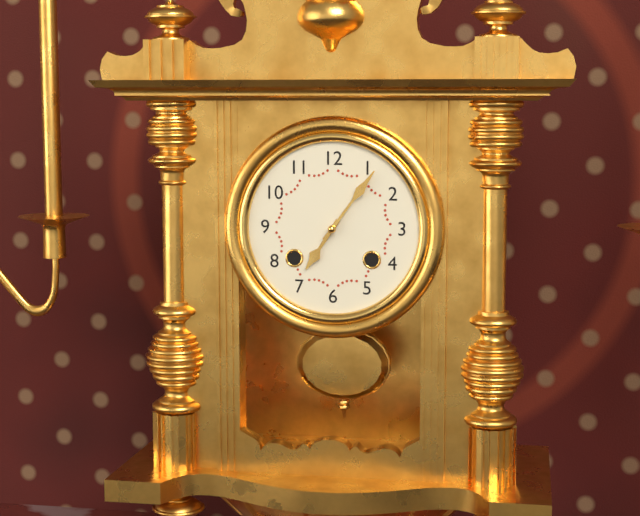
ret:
7:06
